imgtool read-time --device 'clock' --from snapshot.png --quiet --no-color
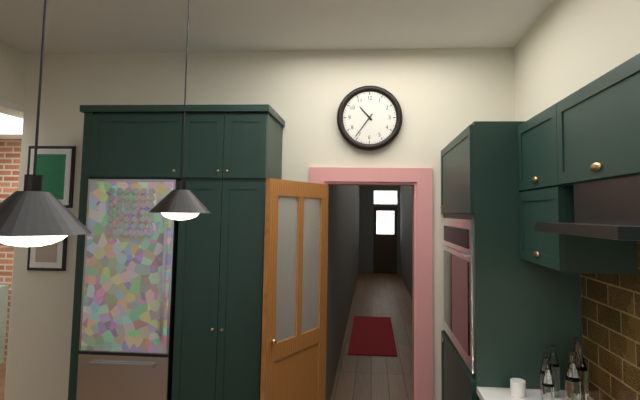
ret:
10:36
